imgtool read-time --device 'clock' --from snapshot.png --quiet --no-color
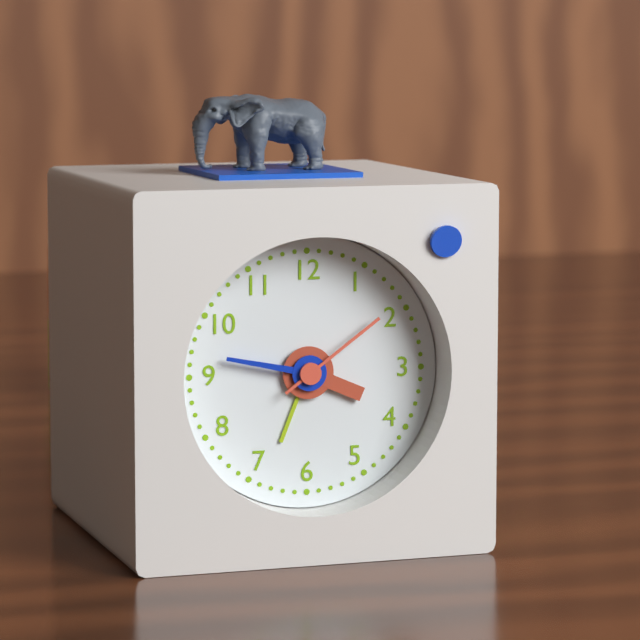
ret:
3:47:09
